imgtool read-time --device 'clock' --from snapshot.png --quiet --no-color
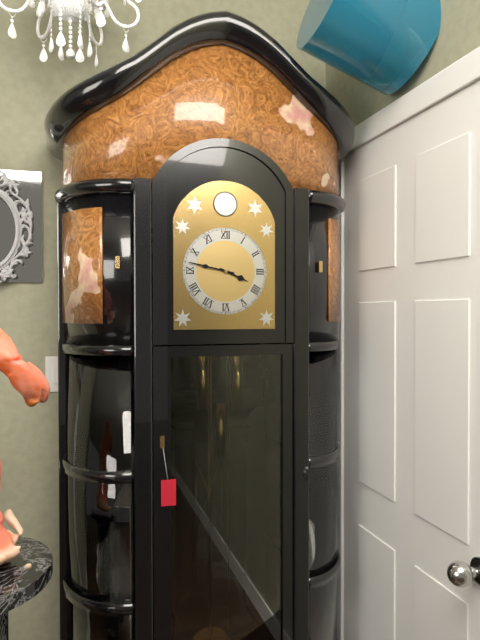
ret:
3:47
